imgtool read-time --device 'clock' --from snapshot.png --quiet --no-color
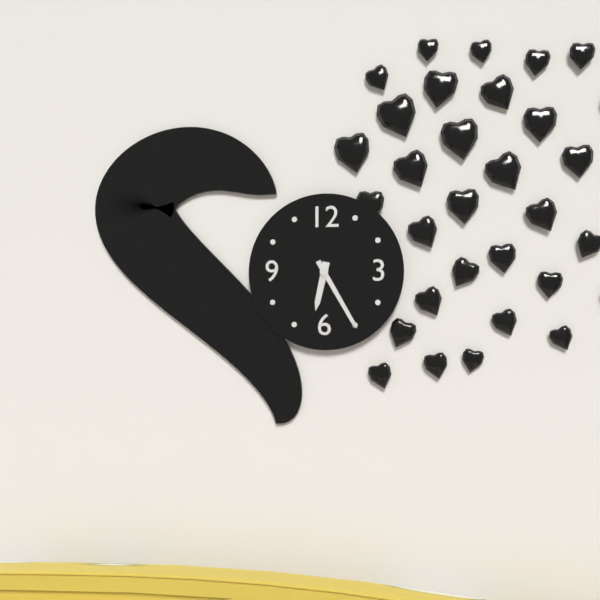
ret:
6:25
